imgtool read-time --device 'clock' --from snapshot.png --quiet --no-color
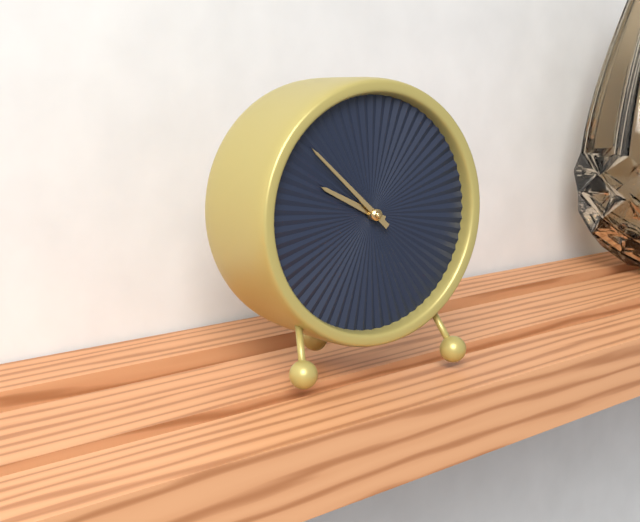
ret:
9:52
